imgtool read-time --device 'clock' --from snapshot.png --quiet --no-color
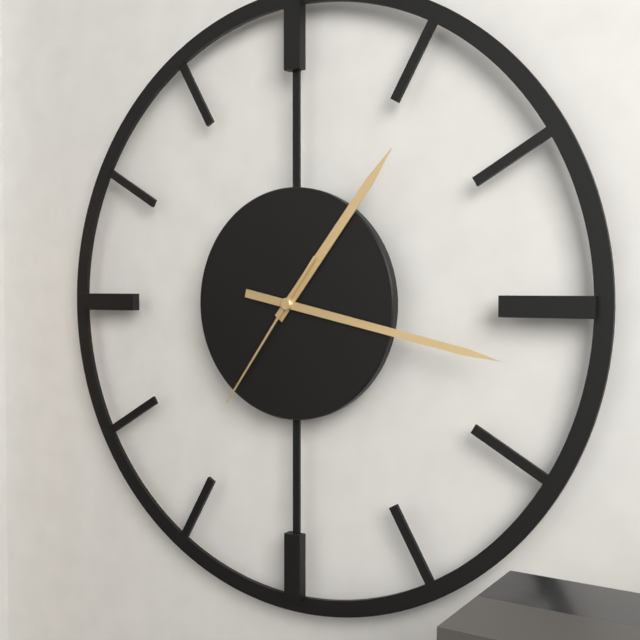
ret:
1:17:36
